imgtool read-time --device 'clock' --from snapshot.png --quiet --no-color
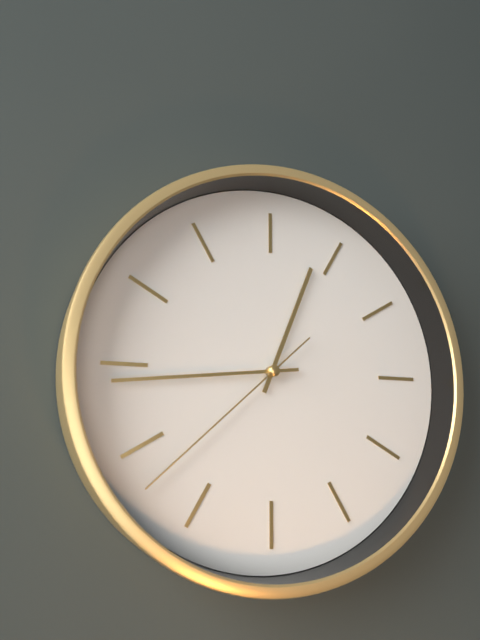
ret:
12:44:38
